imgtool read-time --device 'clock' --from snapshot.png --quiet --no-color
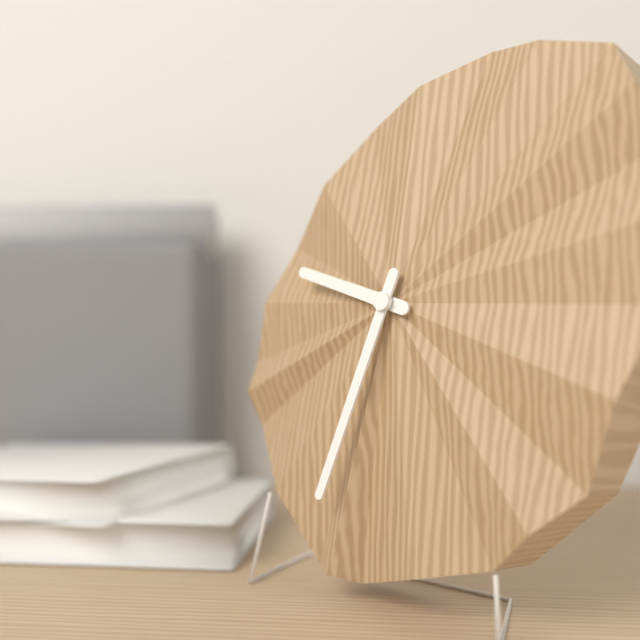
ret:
9:33
